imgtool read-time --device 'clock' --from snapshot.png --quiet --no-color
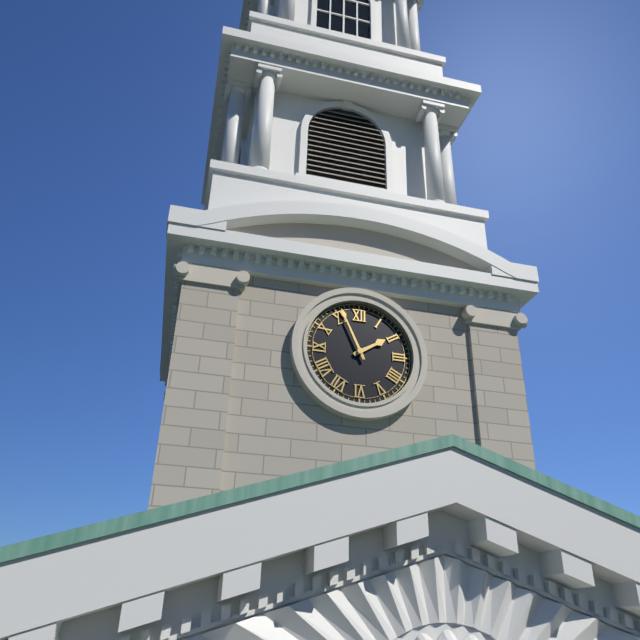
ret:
1:56
